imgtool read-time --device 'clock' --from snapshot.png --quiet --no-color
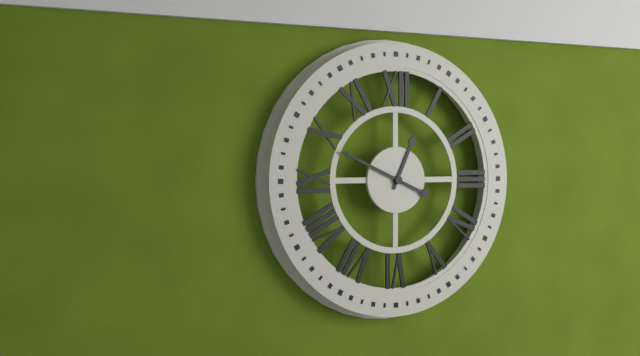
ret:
12:49
